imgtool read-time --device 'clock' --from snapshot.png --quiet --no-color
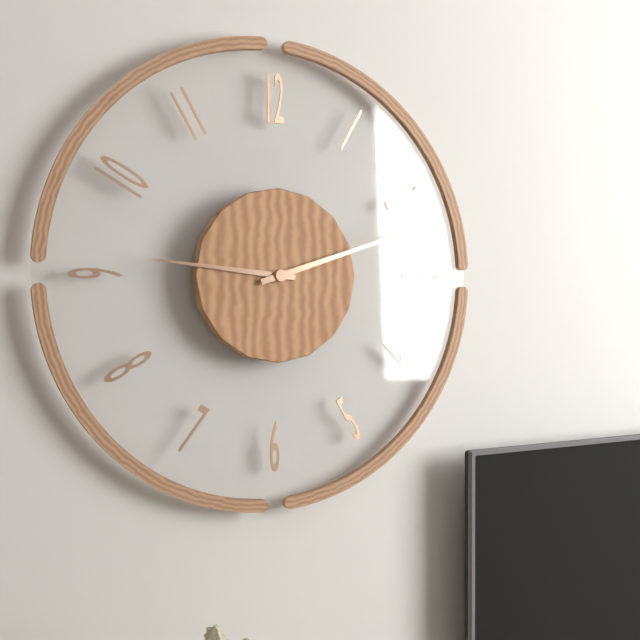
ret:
9:12
